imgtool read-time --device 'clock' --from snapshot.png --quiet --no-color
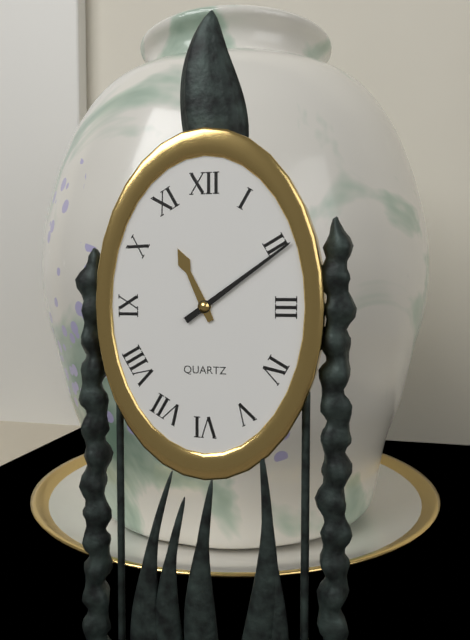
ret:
11:09
